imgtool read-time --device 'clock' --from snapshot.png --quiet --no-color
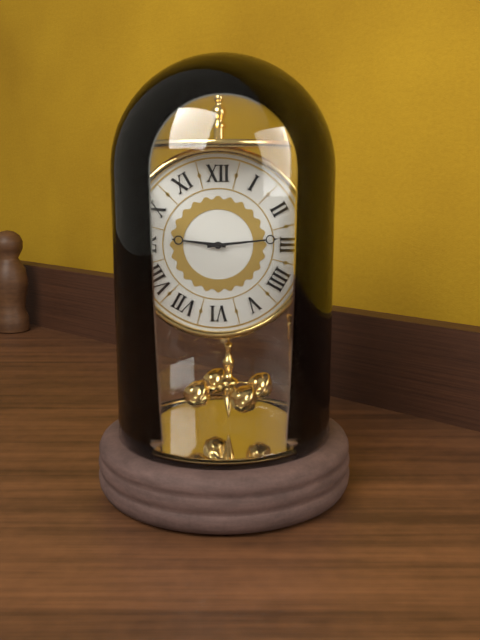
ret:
9:14
